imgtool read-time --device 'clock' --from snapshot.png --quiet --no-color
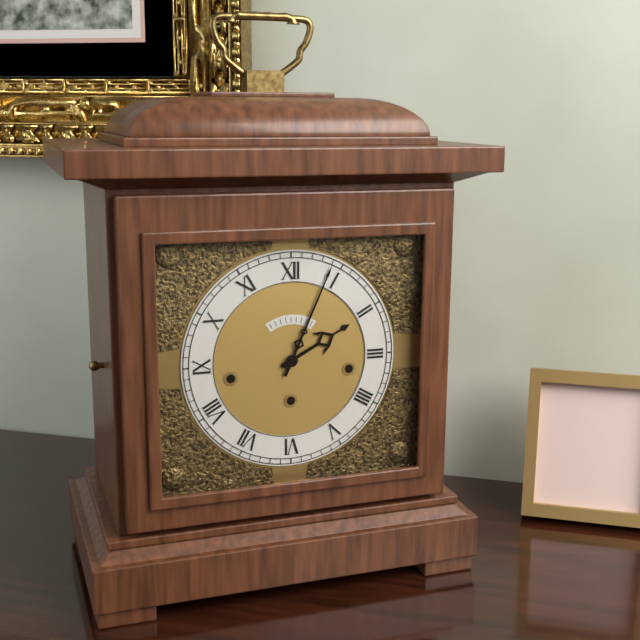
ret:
2:04
